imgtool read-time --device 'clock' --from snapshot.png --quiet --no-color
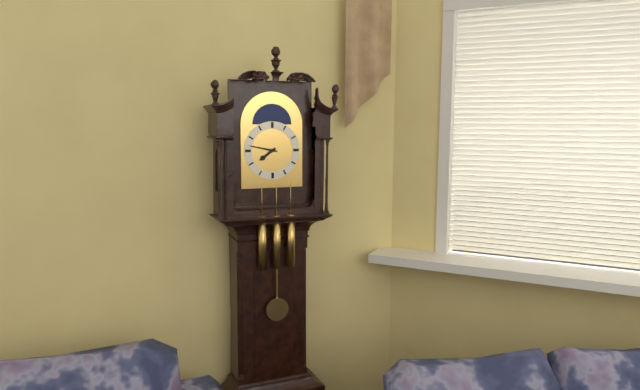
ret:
7:47
